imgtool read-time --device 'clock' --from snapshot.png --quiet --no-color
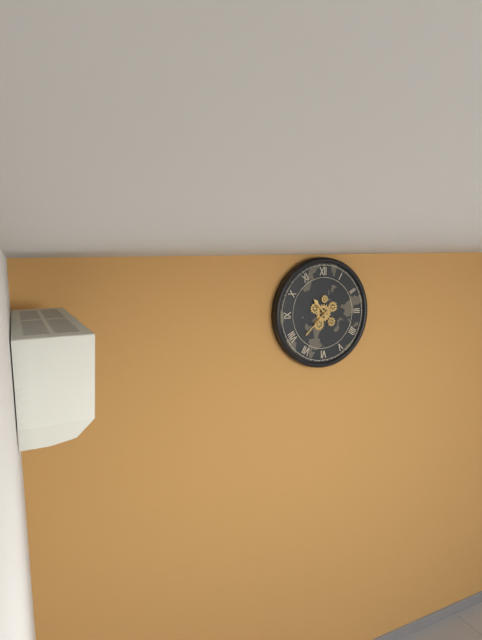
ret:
10:38
